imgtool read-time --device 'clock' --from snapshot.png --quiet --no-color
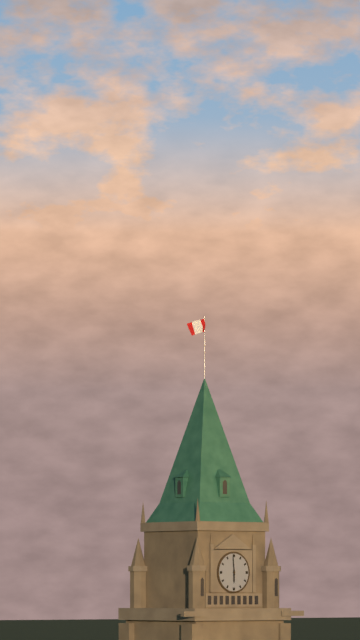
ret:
5:59
